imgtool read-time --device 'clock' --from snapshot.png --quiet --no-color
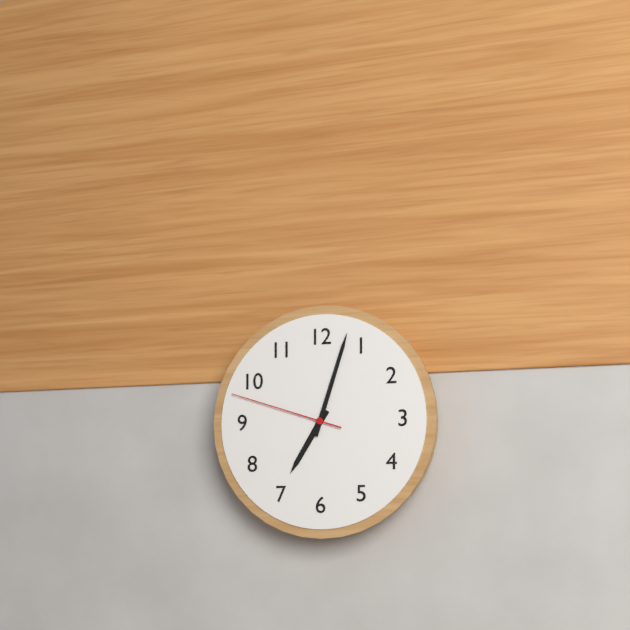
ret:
7:03:48
